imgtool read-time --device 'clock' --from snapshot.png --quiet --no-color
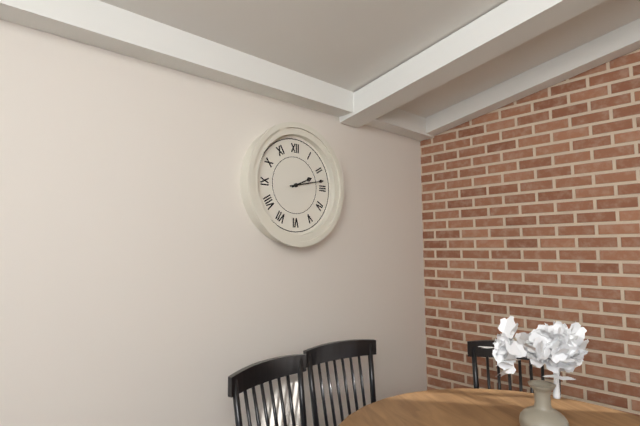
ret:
2:13
